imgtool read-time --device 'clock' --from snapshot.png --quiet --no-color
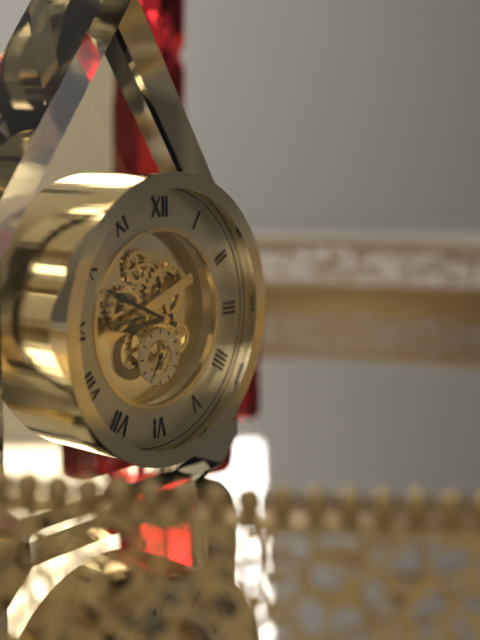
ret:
8:49
